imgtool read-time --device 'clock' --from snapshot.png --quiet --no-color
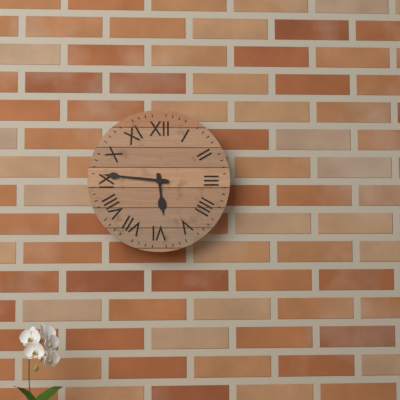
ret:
5:46
